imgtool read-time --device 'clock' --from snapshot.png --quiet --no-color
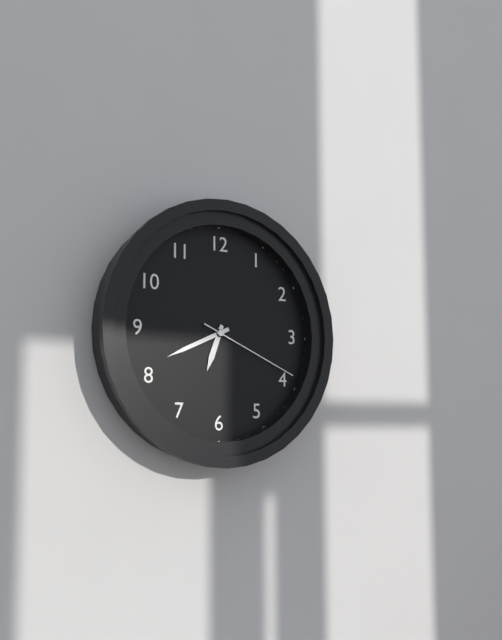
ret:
6:41:19
